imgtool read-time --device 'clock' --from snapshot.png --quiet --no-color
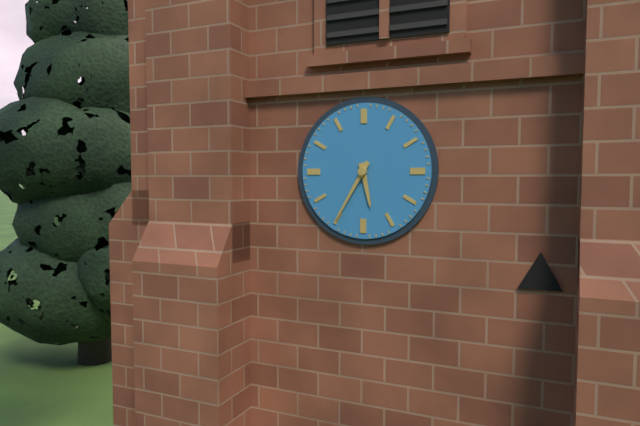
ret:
5:35
